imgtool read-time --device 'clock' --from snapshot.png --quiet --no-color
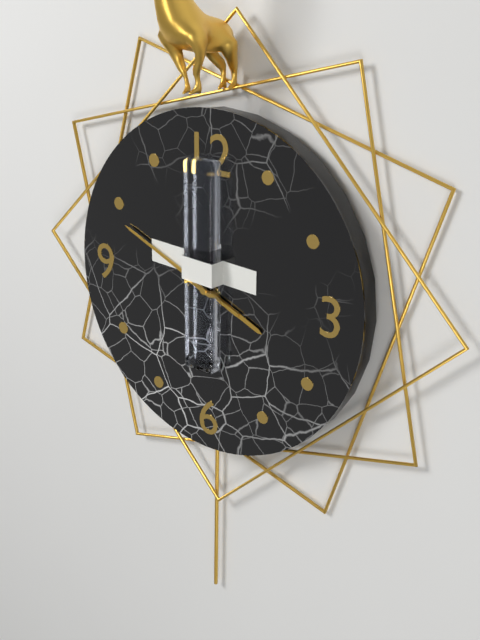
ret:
3:49
